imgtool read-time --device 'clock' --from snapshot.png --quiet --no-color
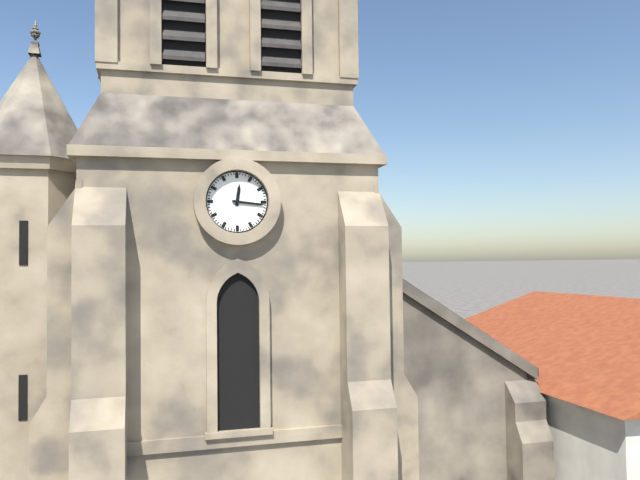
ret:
12:16
